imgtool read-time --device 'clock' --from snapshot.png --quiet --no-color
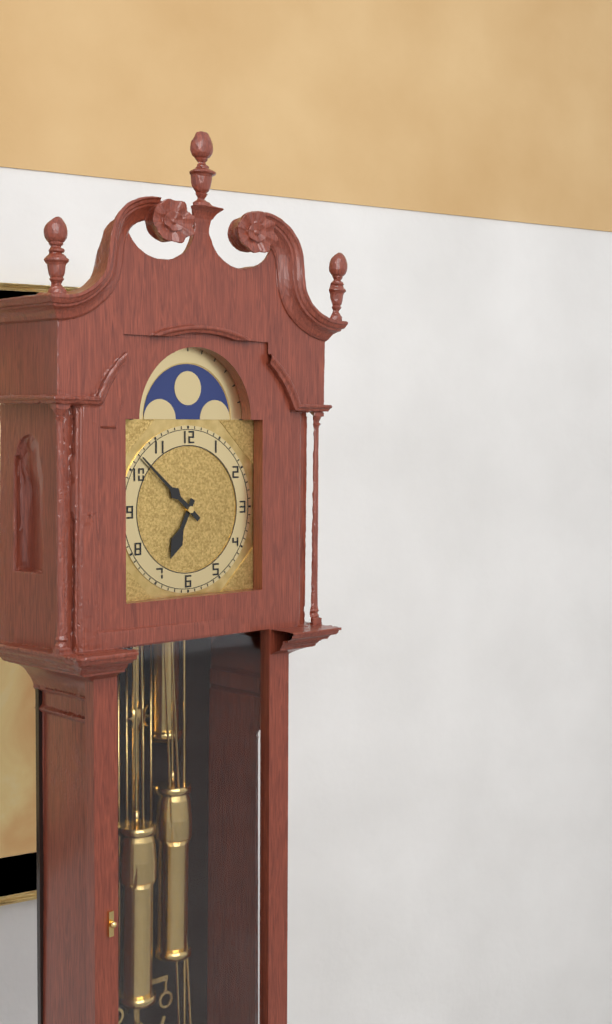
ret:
6:52
